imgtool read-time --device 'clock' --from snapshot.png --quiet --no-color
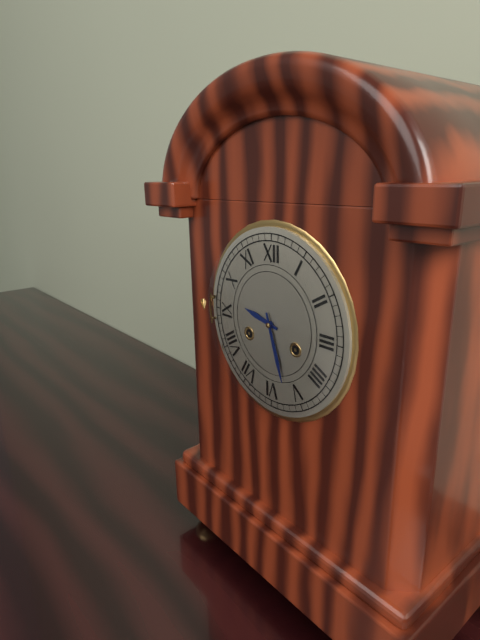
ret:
9:27
